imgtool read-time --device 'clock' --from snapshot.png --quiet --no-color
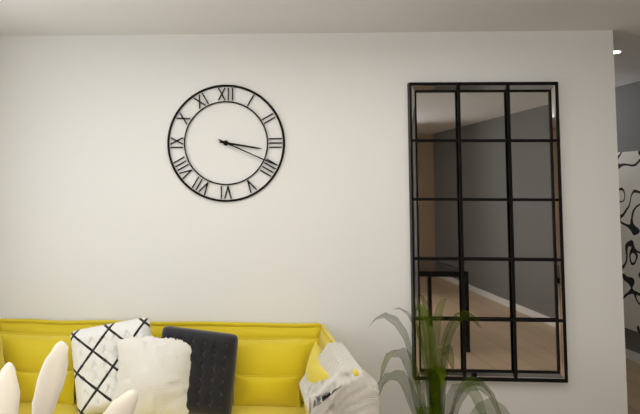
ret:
3:19
